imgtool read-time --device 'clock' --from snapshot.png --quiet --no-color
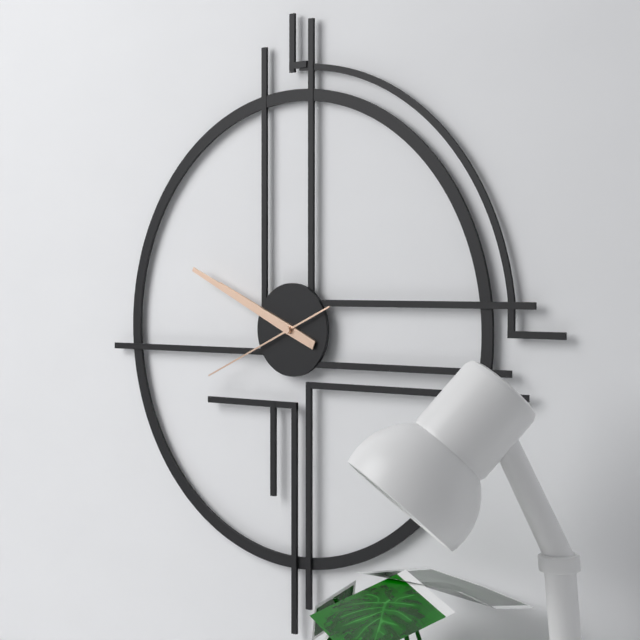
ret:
9:49:41
